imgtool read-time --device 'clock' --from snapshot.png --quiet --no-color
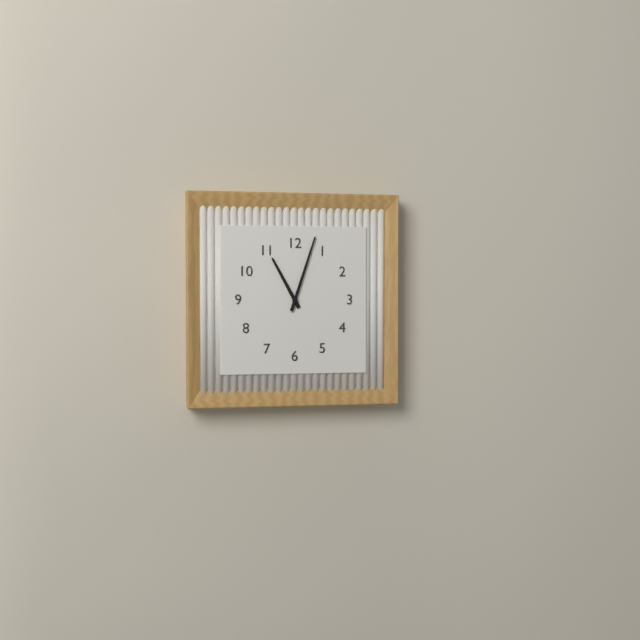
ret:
11:03
